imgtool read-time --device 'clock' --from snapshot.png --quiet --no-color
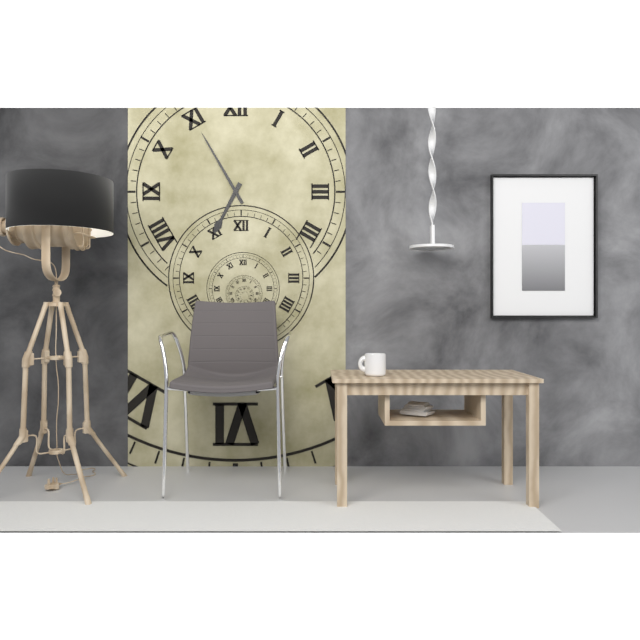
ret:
6:55
